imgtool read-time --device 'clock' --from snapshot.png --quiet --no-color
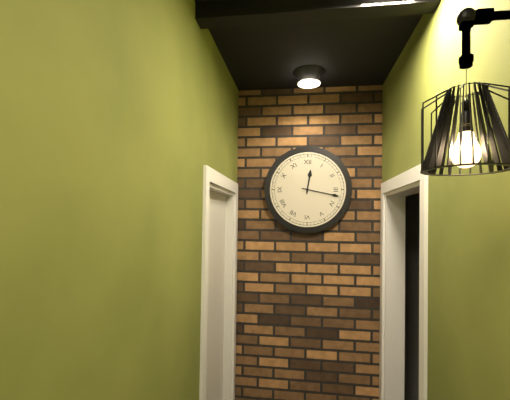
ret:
12:17
